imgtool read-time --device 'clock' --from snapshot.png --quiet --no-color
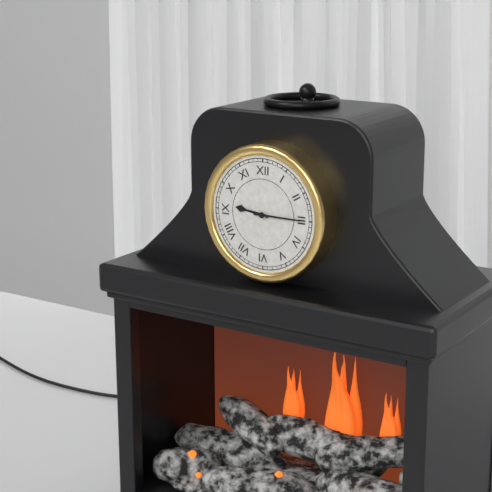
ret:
9:15
